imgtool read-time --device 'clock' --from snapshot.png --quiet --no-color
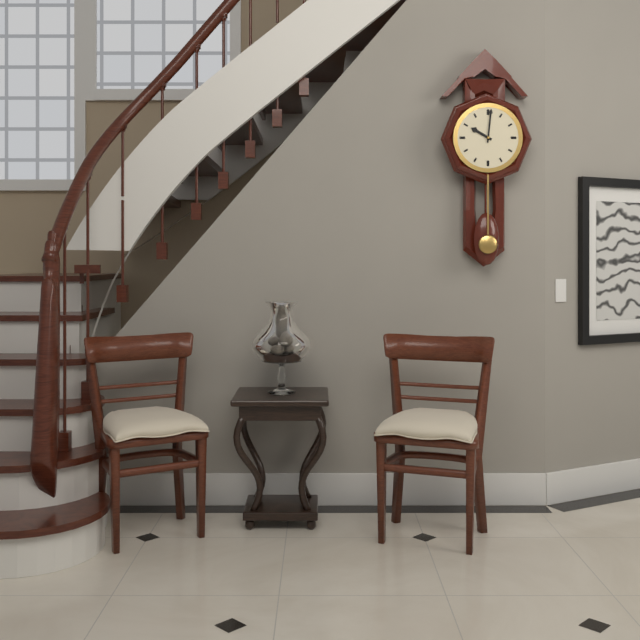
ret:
10:01
